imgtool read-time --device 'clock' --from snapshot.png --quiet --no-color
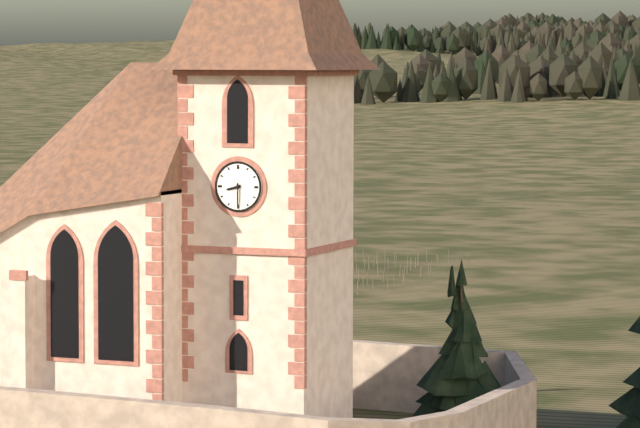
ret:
8:30
